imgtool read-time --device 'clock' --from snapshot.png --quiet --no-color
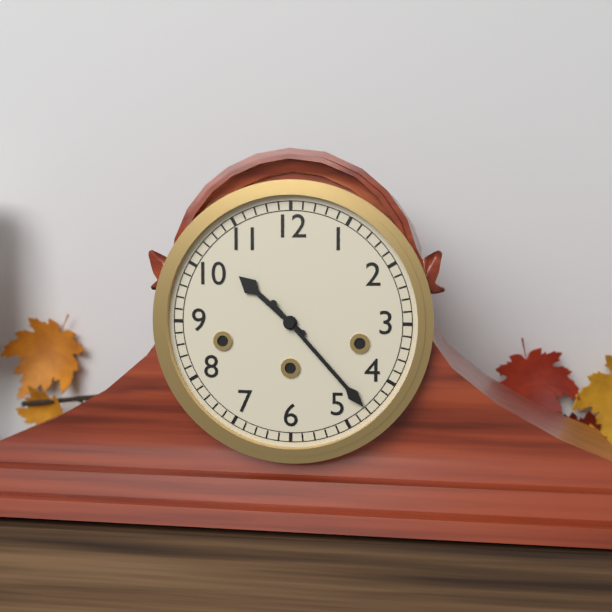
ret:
10:23
